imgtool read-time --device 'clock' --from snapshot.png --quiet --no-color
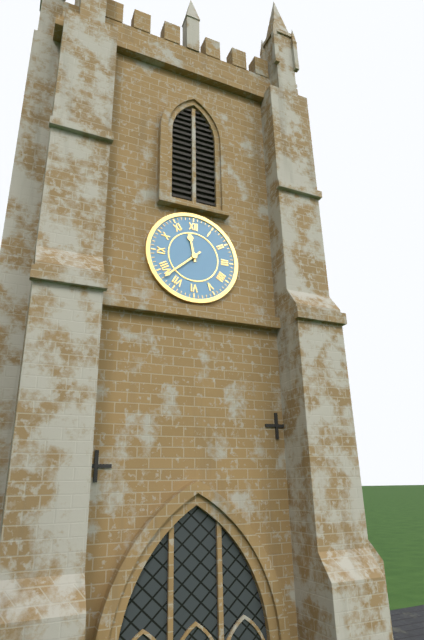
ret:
11:38
